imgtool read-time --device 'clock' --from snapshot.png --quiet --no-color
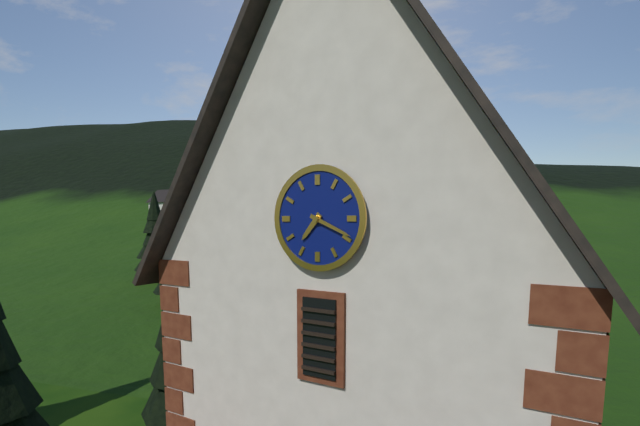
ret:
7:19
